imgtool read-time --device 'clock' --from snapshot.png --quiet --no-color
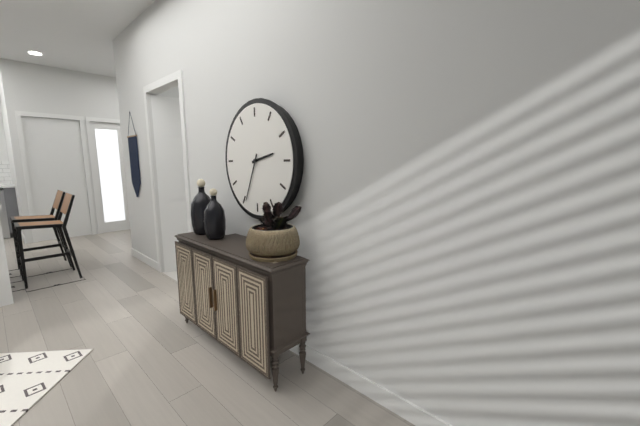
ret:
2:34
